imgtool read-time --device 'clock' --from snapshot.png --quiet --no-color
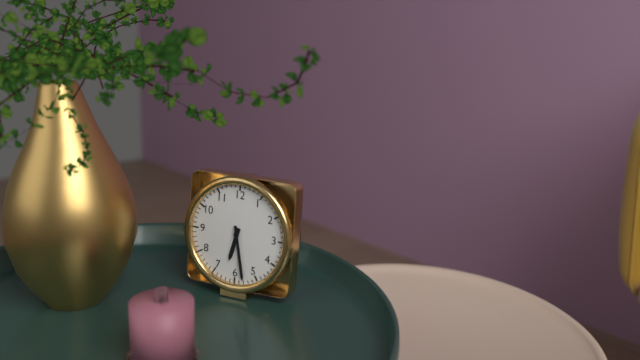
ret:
6:28
